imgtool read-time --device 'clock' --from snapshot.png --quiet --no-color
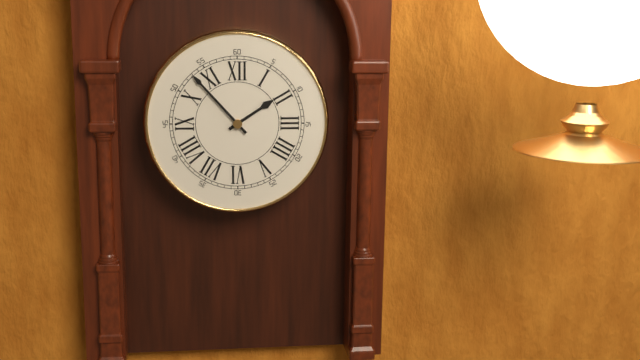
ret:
1:53
